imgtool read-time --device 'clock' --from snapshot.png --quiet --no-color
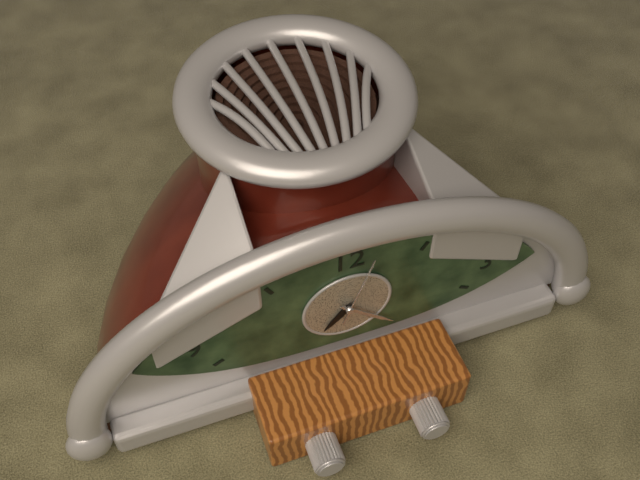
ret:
7:22:03
